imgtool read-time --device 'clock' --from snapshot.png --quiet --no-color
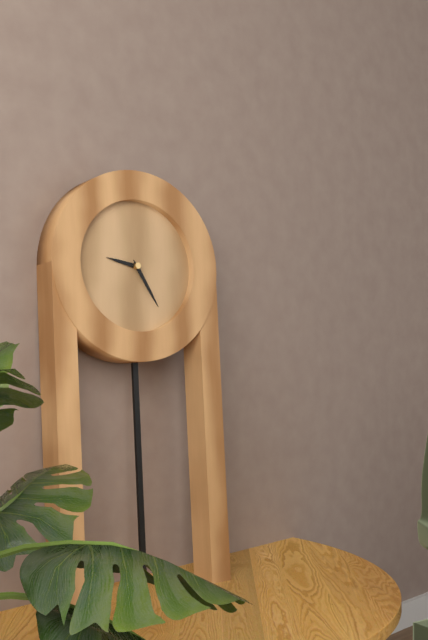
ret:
9:25
